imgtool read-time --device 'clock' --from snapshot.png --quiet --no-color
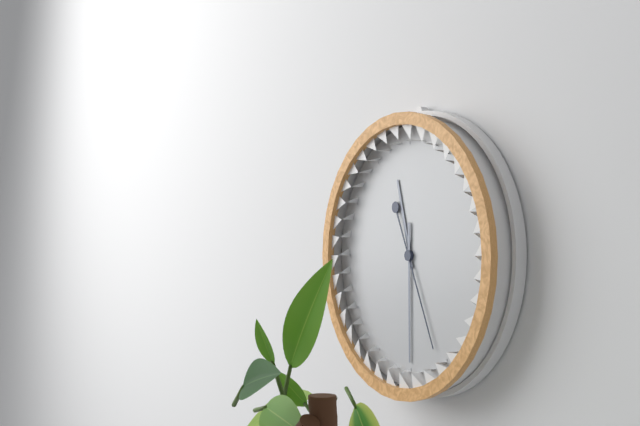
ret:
11:30:26
